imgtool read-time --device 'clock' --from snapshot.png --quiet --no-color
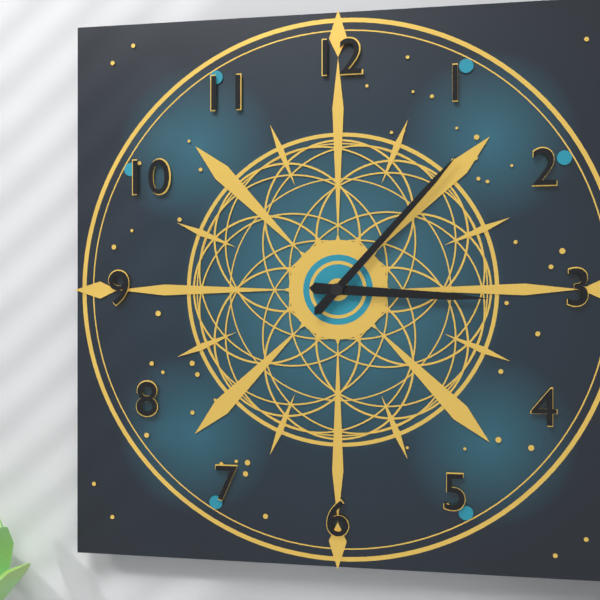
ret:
3:07
